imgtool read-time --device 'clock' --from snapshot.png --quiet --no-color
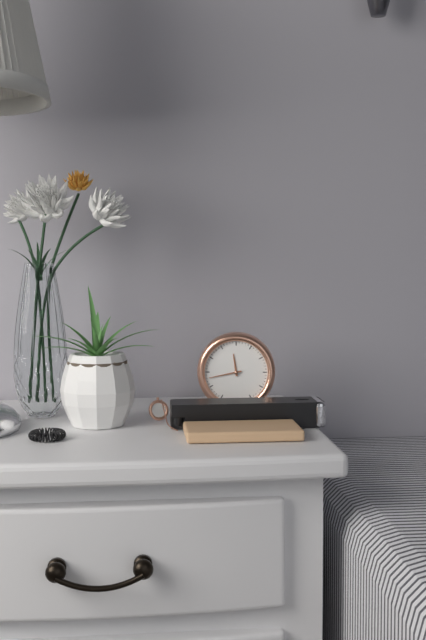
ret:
11:43
